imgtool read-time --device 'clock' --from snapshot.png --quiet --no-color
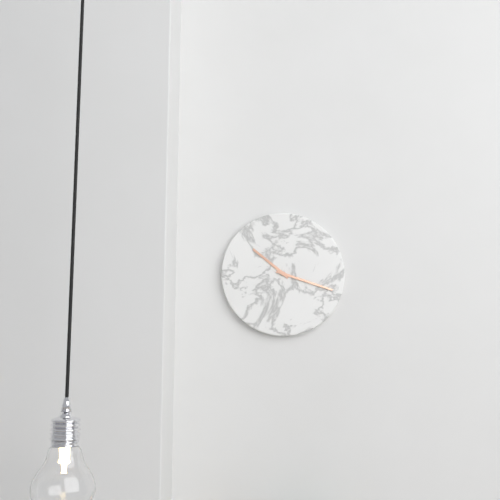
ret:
10:18
